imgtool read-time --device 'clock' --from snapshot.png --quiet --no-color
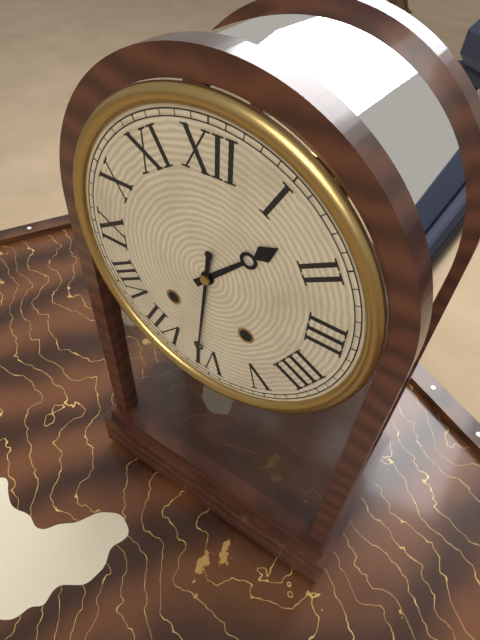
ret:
1:31
